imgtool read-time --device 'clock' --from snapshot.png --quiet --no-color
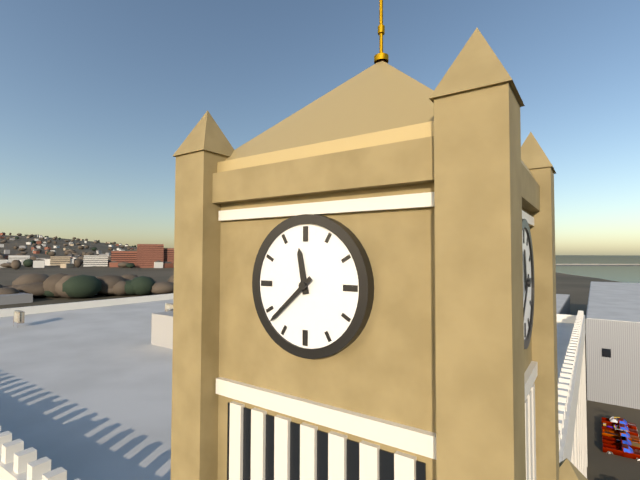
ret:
11:38
